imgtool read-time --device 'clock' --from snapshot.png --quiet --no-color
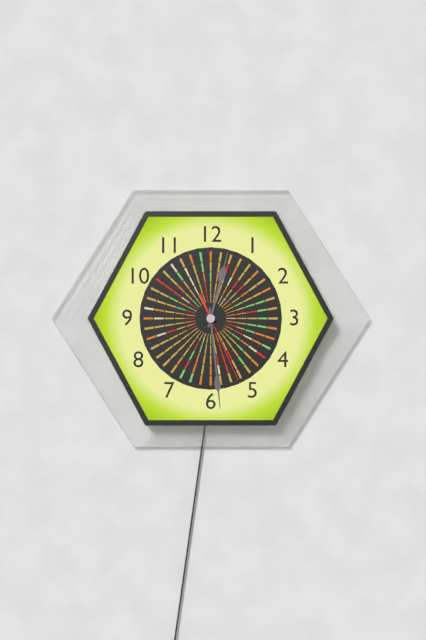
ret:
12:29:26
